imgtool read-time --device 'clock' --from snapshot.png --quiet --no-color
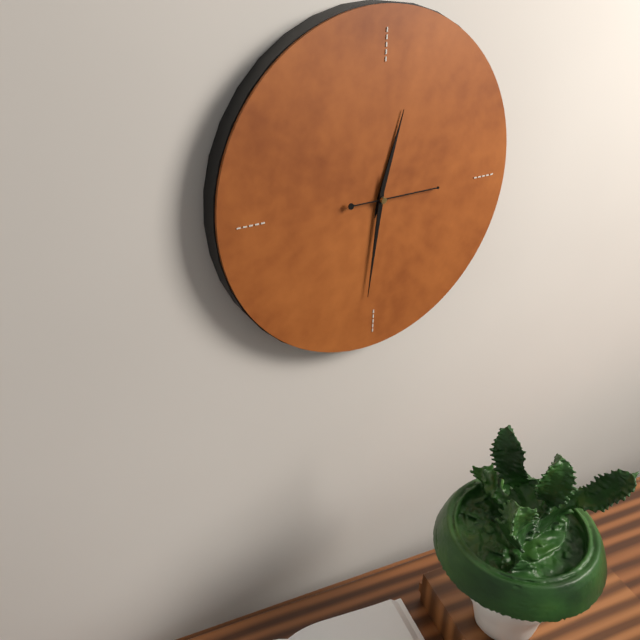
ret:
12:31:15
